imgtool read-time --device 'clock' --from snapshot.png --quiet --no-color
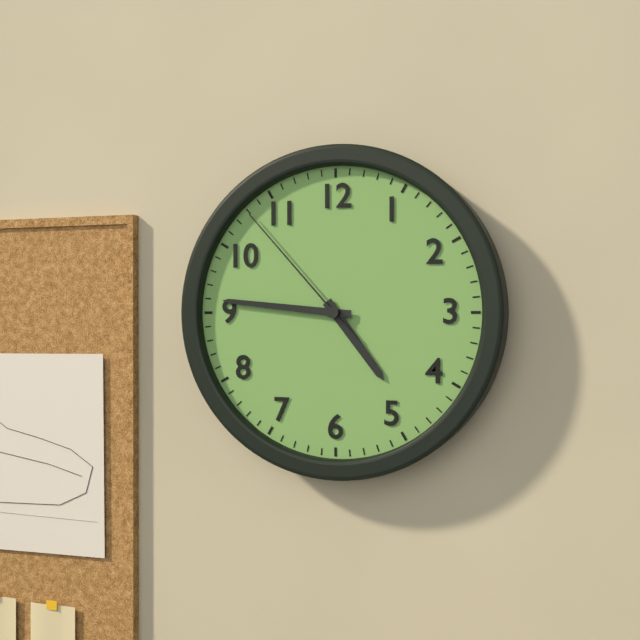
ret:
4:46:53
